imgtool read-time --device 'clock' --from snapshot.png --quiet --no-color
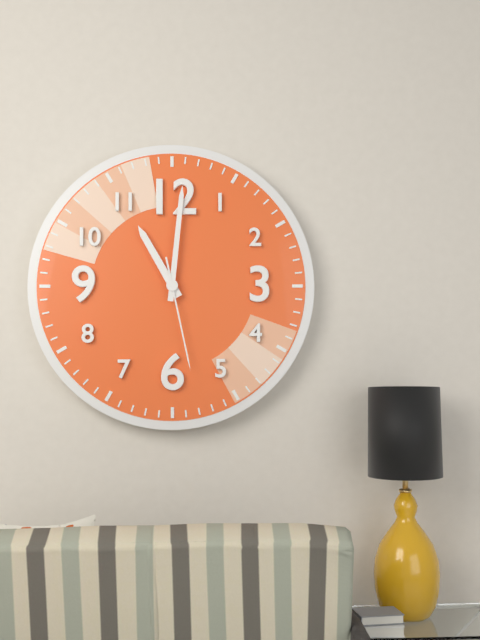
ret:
11:01:28
